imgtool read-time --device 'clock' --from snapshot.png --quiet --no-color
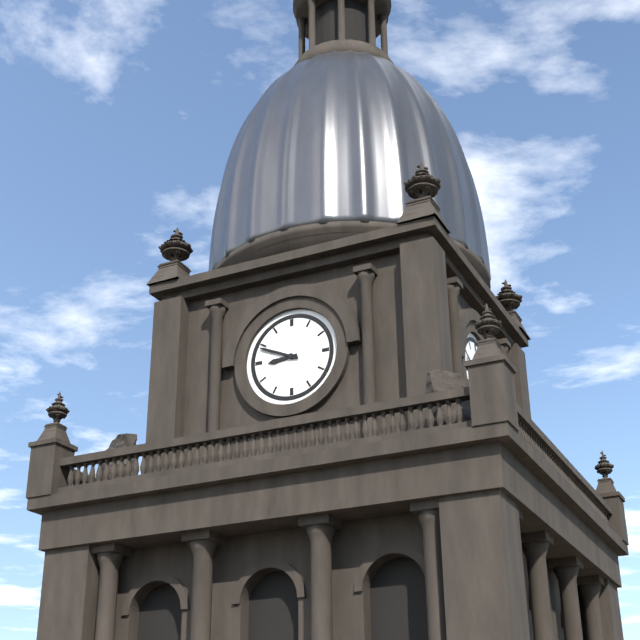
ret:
8:49
